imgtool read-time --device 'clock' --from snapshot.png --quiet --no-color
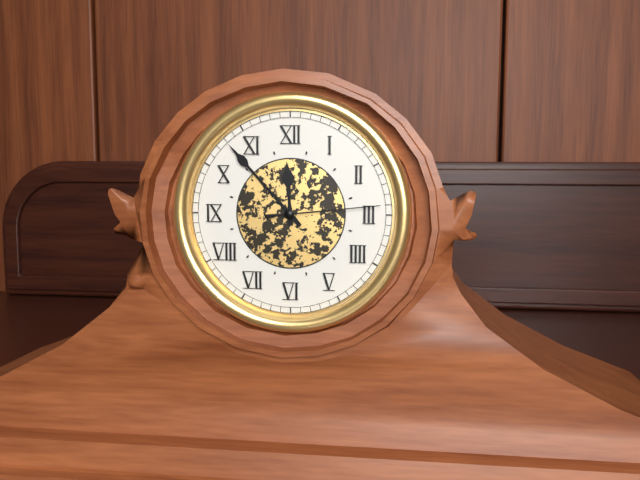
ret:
11:53:14
